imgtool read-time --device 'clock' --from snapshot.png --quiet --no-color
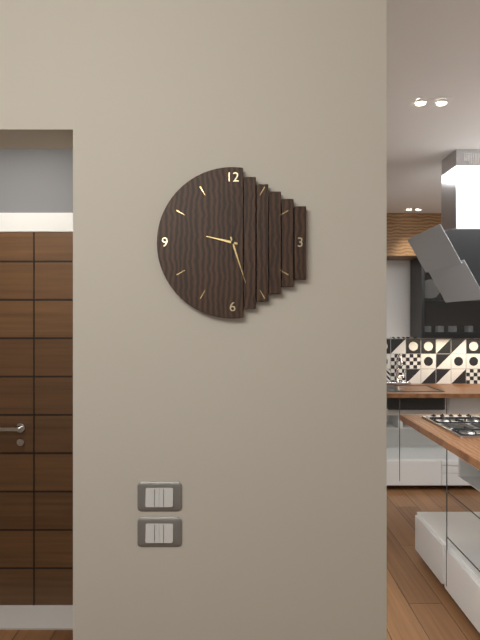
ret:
9:27:00
